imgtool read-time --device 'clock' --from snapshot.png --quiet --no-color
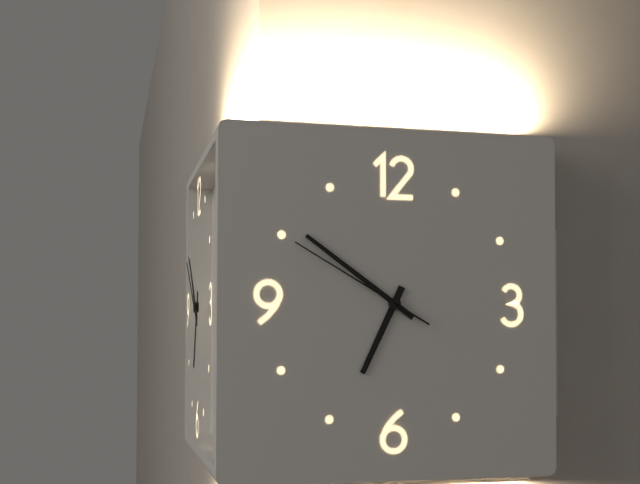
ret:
6:51:50
